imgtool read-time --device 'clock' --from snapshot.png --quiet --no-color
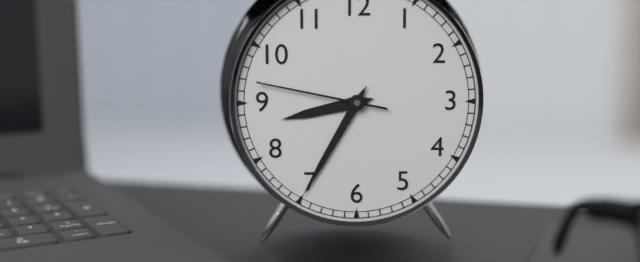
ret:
8:35:47
